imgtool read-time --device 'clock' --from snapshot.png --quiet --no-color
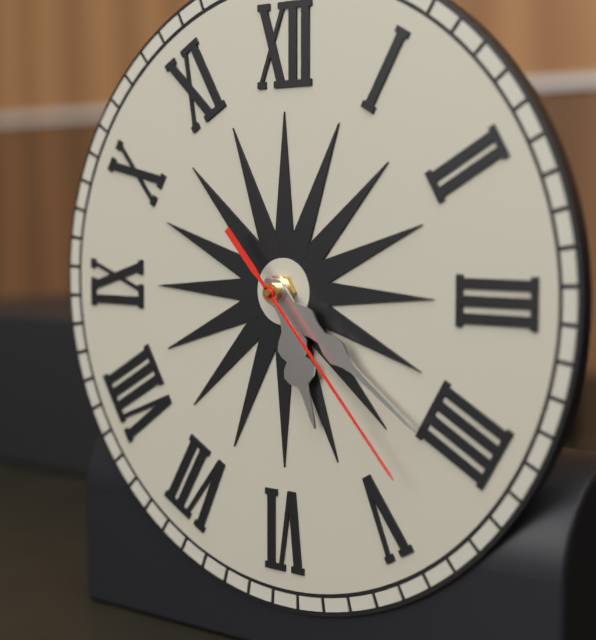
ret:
5:21:23
